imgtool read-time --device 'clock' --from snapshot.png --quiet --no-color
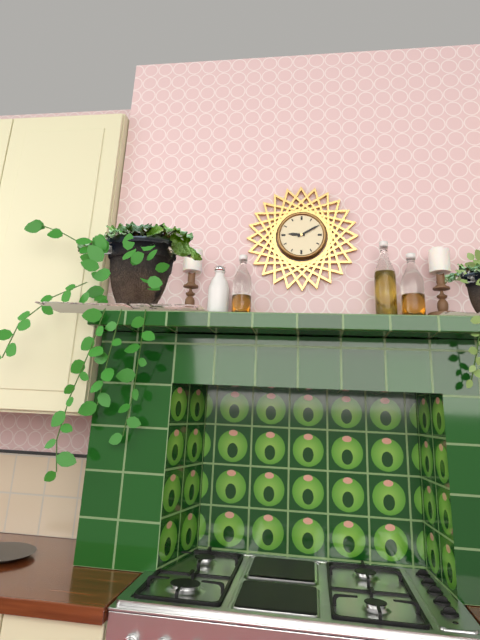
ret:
9:10
